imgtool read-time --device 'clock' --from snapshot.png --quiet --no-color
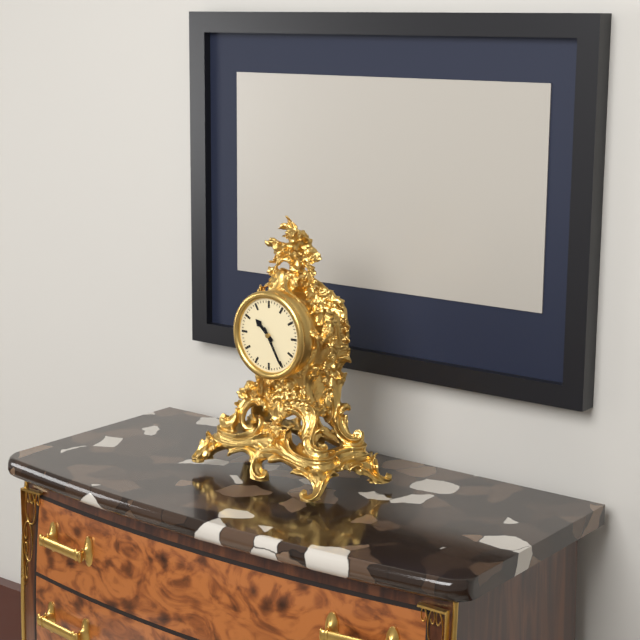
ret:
10:25
